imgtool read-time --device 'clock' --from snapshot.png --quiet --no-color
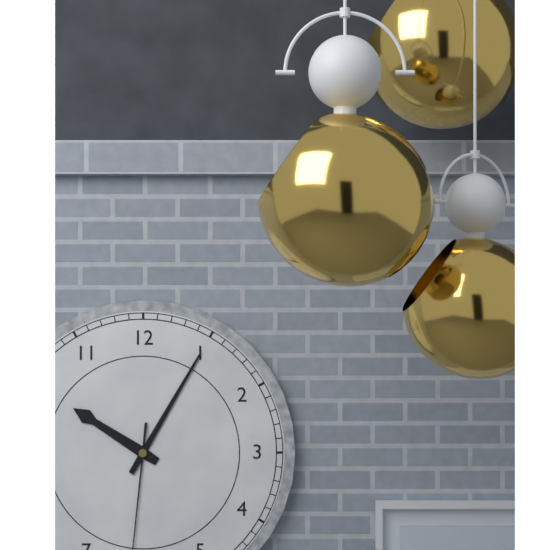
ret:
10:05
